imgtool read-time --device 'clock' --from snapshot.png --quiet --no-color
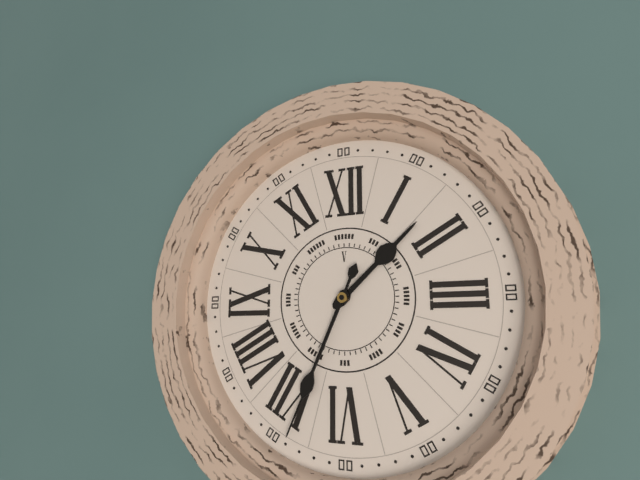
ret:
1:34
